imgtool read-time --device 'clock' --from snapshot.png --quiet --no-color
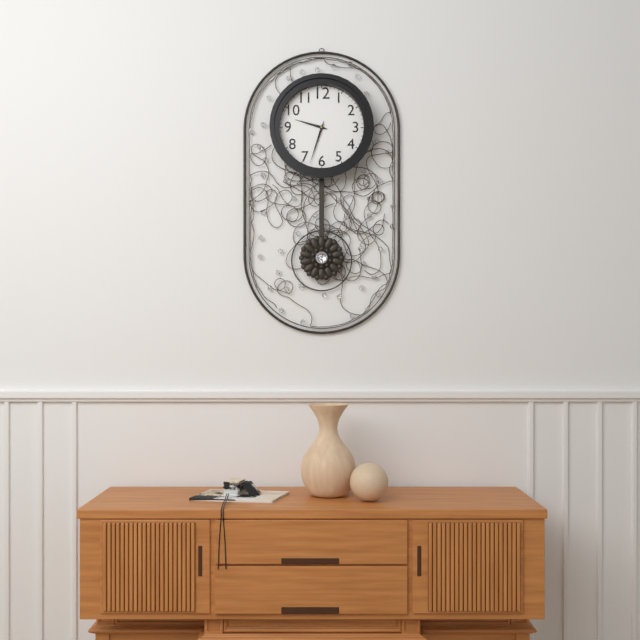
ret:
9:33
